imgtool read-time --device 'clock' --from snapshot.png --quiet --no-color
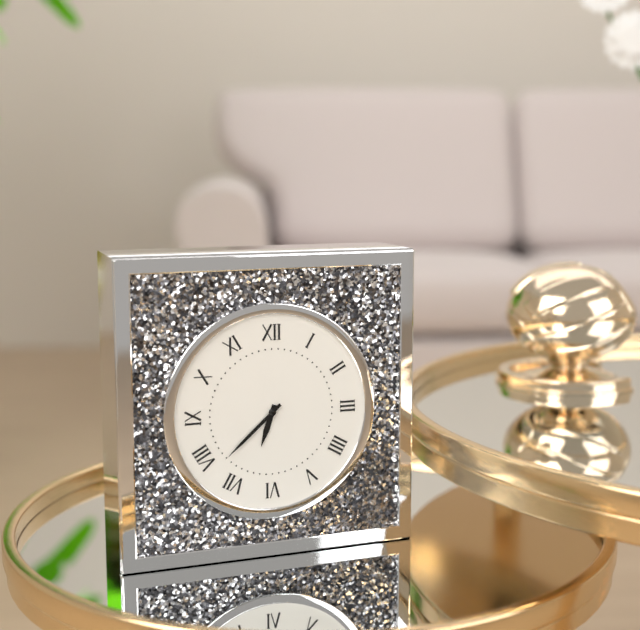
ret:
6:38
